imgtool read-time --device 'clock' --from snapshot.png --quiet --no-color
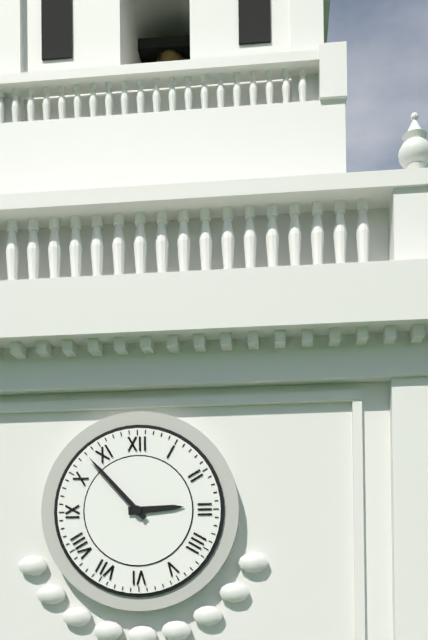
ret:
2:53
